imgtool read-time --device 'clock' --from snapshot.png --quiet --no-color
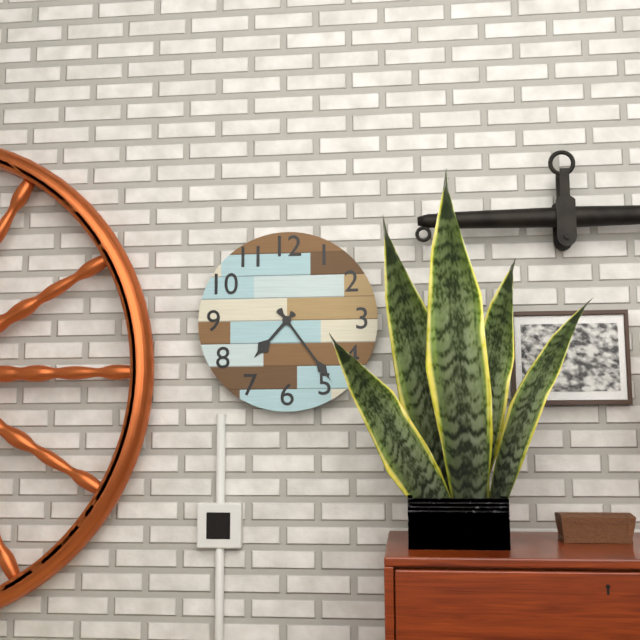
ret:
7:24
